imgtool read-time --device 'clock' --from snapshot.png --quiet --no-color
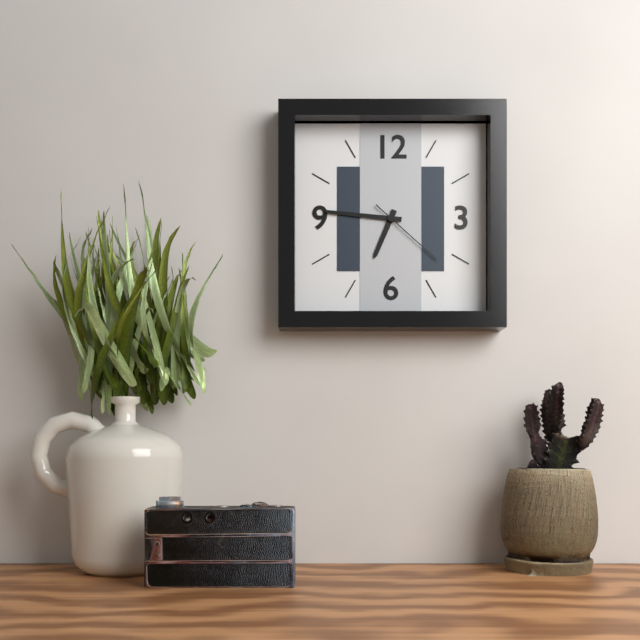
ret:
6:46:22
